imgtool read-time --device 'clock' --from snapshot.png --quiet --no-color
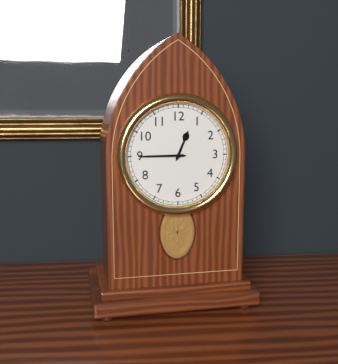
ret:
12:45
